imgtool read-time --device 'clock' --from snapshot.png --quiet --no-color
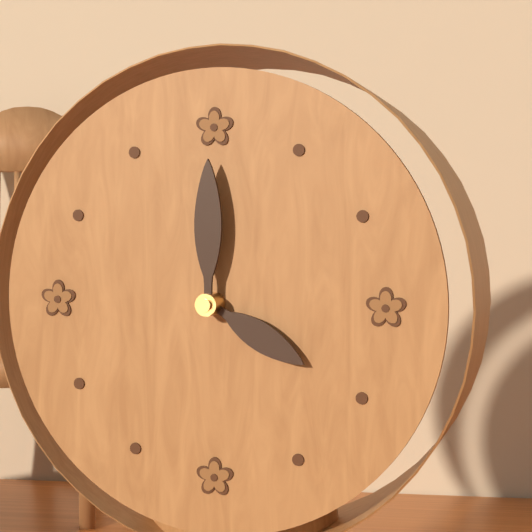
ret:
4:00
